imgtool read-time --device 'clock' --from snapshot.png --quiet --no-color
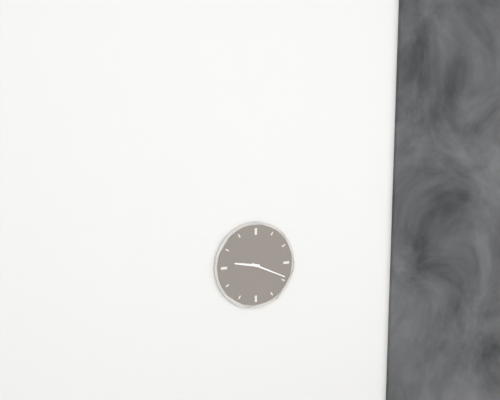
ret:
9:19
